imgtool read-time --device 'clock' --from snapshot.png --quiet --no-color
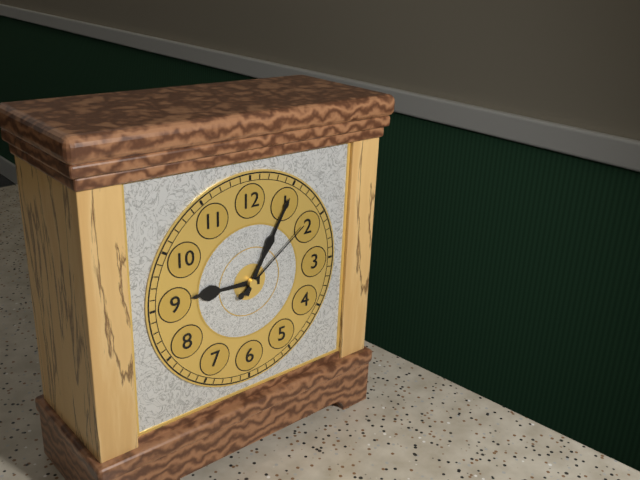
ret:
9:05:09
